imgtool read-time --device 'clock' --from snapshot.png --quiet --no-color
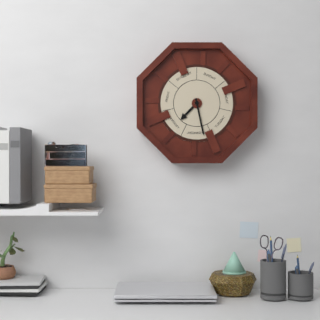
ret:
7:28
